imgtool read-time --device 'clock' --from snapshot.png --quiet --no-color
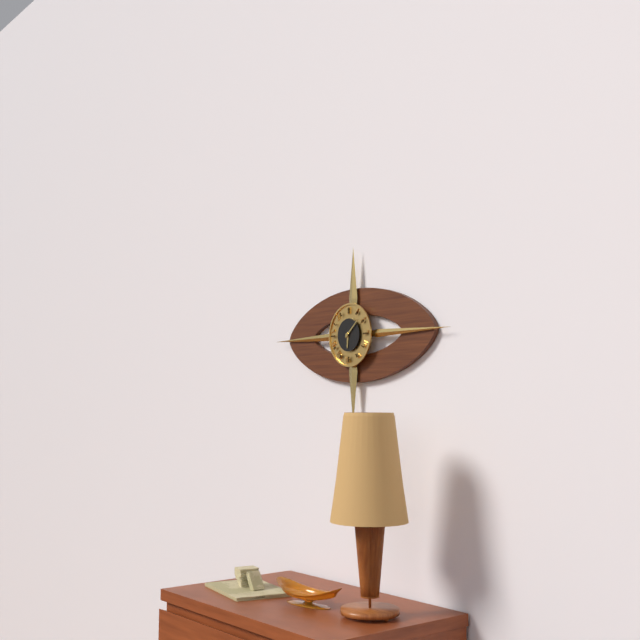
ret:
6:08
